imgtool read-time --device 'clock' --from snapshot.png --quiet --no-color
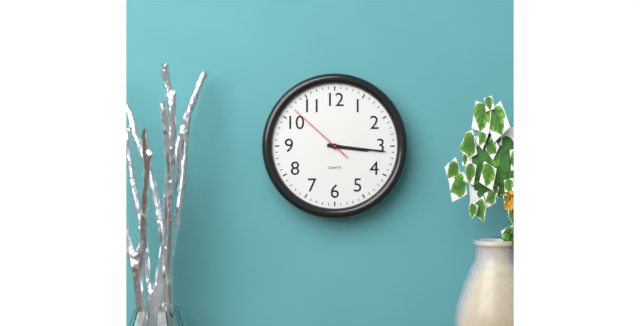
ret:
3:16:52
